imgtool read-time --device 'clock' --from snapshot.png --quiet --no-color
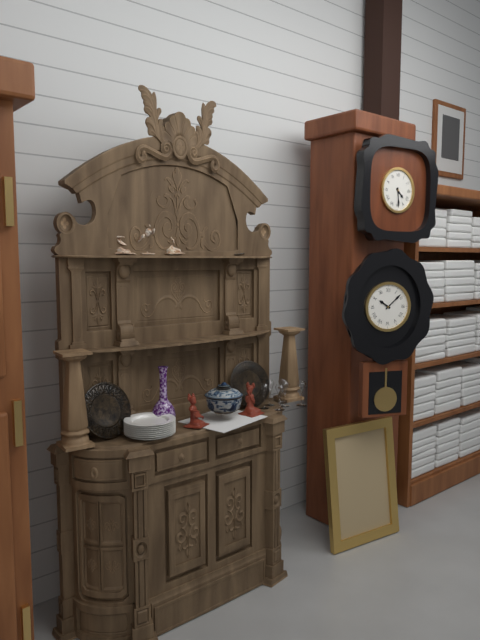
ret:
4:29
